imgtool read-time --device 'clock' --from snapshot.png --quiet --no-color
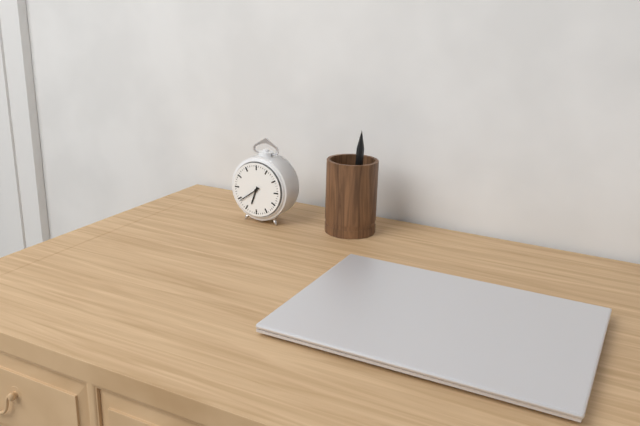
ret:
6:39
